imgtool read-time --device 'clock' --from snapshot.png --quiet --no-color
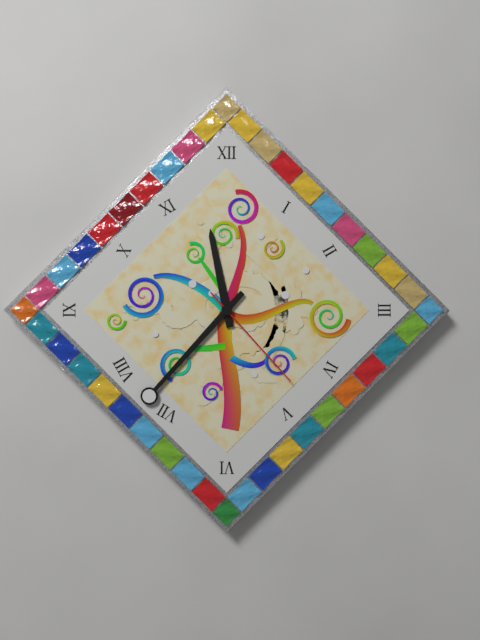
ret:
11:37:23
